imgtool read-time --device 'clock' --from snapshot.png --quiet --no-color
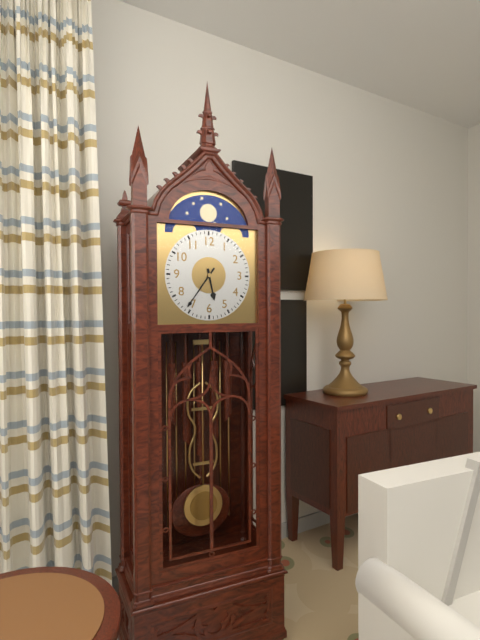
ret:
5:36
